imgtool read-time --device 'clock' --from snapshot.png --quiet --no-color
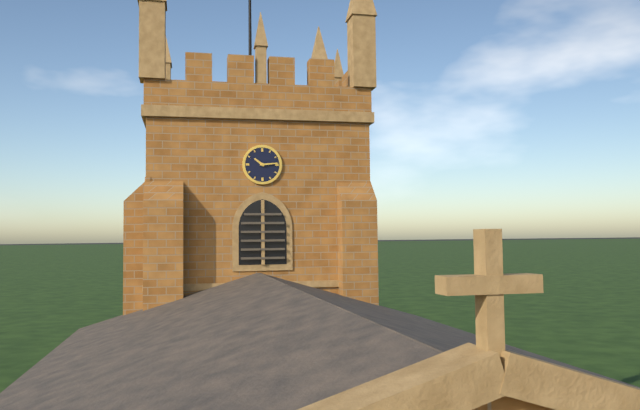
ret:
10:14
